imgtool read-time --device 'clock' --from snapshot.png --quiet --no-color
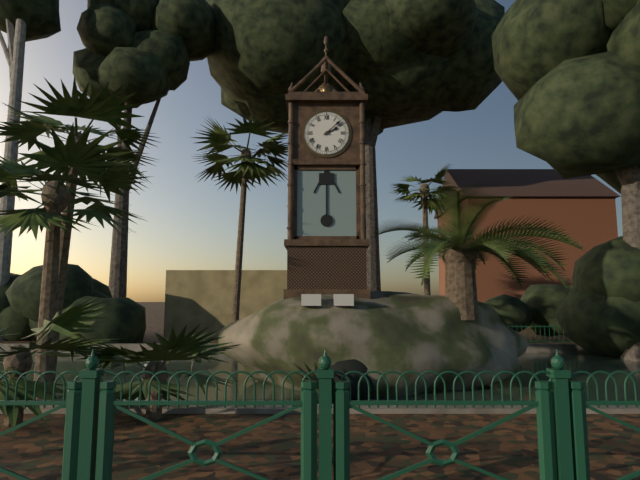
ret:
2:08
